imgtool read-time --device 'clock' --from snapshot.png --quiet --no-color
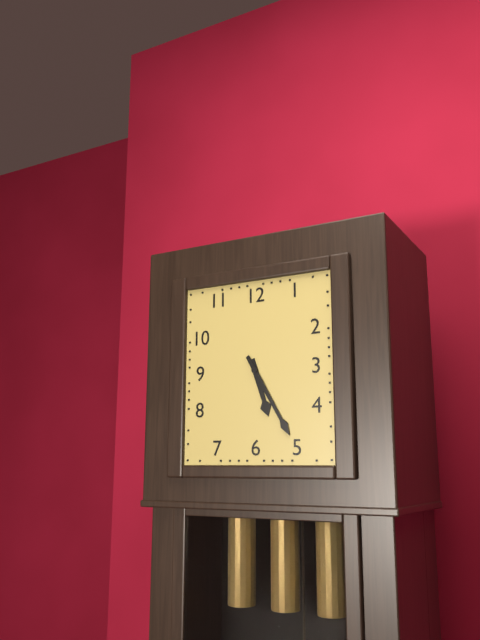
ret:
5:25
